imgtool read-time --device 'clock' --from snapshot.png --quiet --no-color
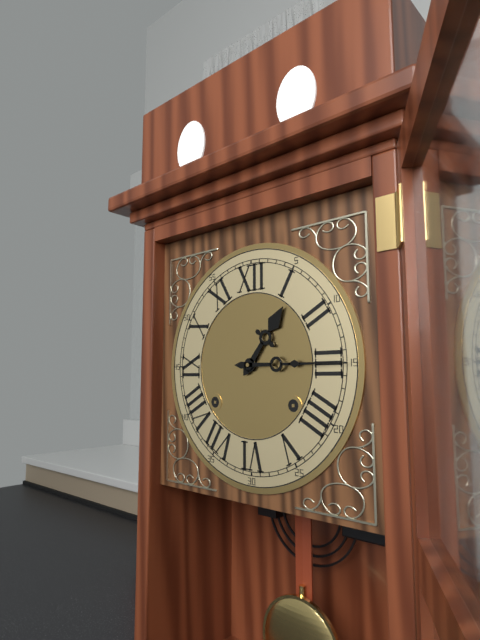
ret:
1:15
